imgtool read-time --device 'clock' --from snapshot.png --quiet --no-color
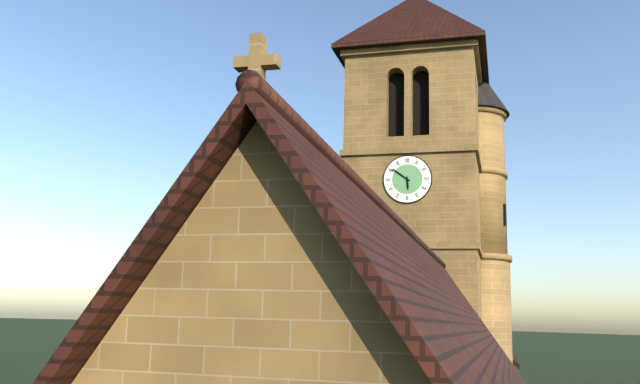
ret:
5:51
